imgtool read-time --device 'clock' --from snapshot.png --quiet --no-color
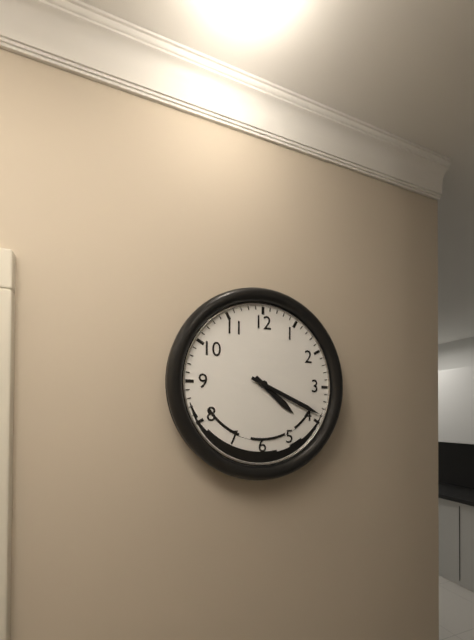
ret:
4:19
